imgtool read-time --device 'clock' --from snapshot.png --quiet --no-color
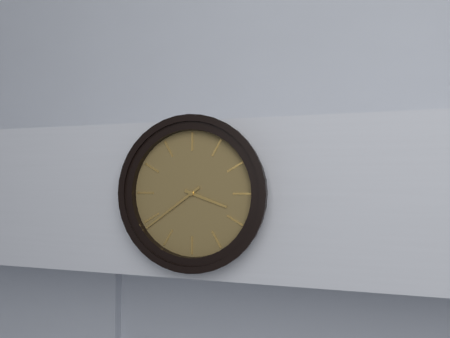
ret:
3:39
